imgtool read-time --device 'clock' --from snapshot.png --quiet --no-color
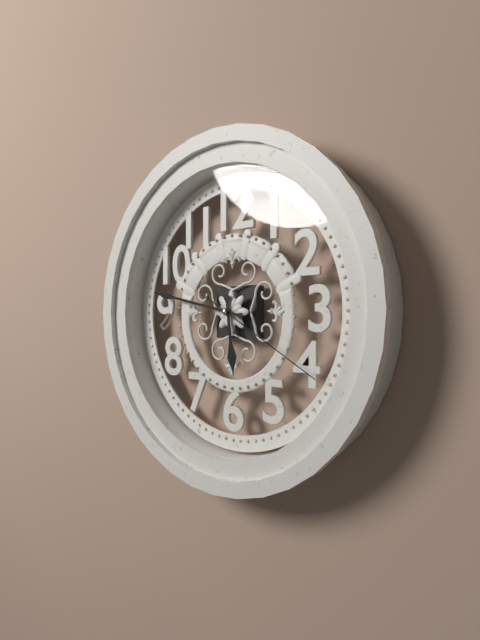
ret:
5:47:20
